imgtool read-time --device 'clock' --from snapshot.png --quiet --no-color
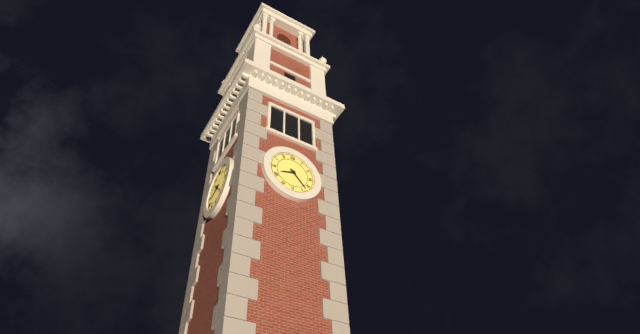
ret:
8:23
